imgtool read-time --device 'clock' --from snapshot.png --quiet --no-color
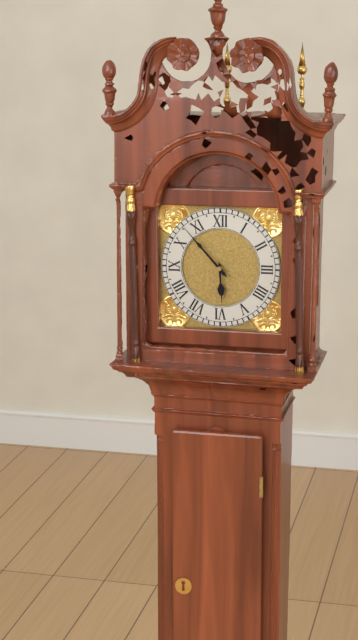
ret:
5:53
